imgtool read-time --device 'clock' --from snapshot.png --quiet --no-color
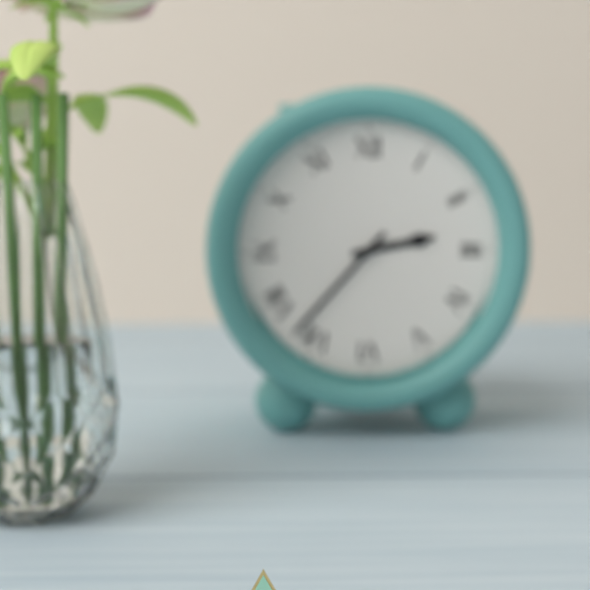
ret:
2:37
